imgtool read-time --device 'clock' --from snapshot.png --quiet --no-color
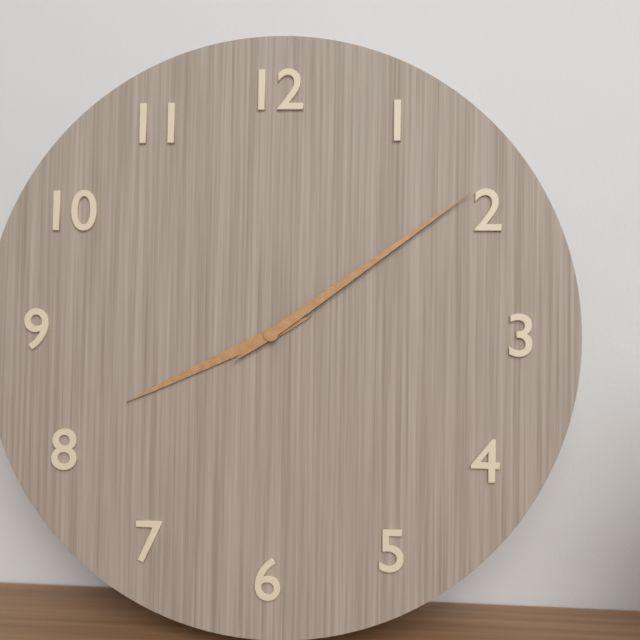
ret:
8:09
